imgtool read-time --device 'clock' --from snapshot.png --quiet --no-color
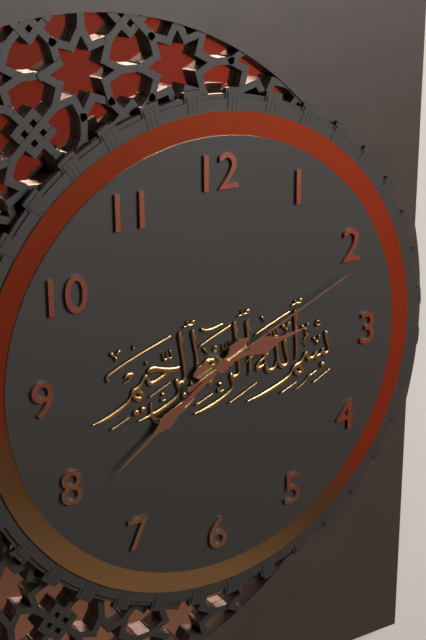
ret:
2:39:11
